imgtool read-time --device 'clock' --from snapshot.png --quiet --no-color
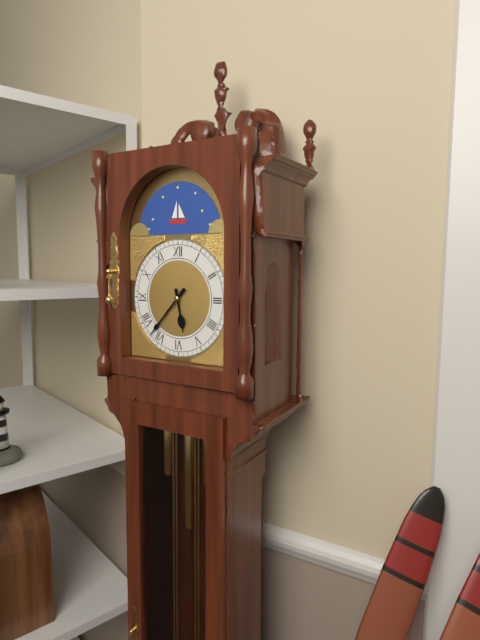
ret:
5:37
